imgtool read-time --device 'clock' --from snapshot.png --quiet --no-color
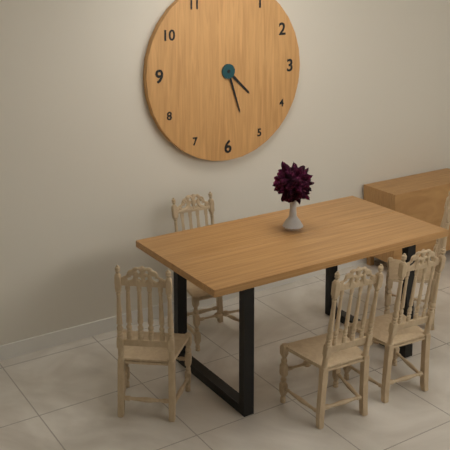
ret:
4:27
